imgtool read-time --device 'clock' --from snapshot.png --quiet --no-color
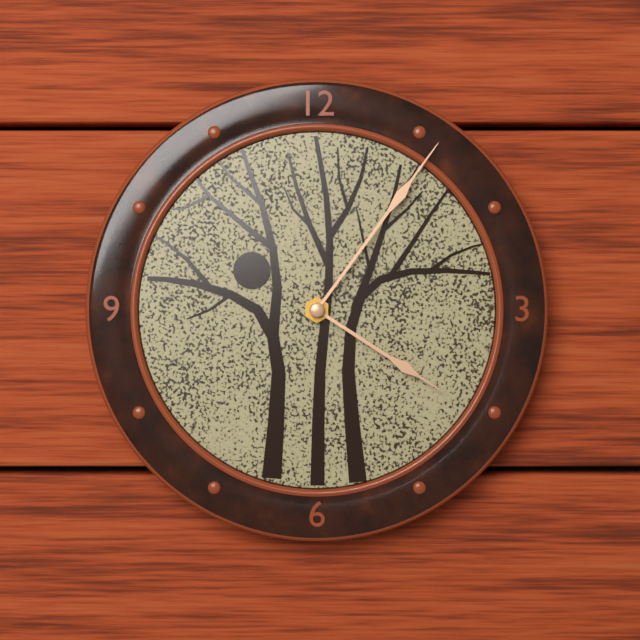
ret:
4:06
